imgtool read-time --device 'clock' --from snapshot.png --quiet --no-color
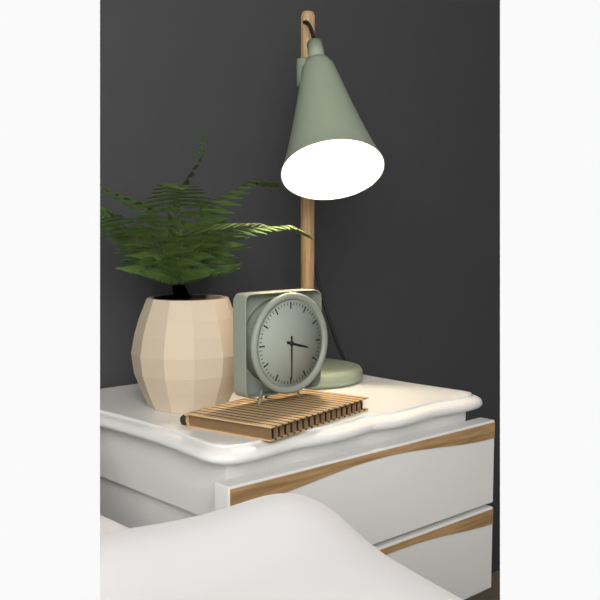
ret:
3:30
